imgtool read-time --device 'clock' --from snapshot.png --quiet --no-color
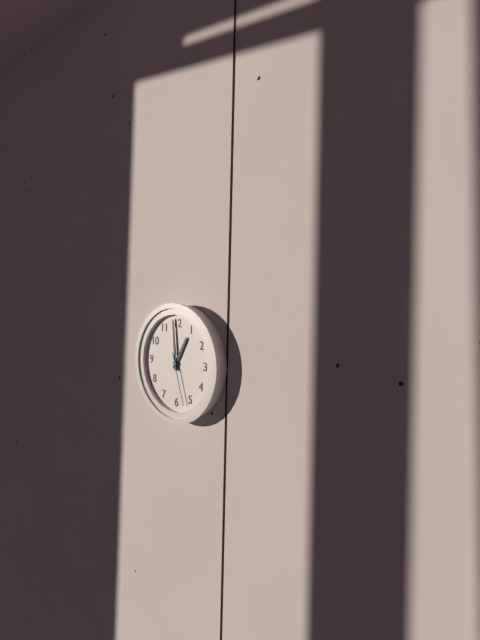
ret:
12:59:27
